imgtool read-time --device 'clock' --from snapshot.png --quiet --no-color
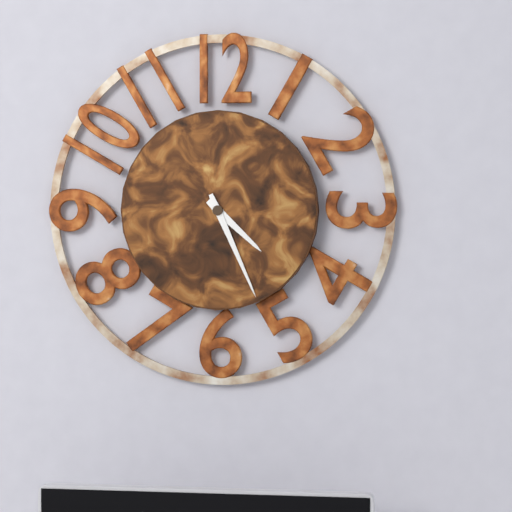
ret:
4:26
